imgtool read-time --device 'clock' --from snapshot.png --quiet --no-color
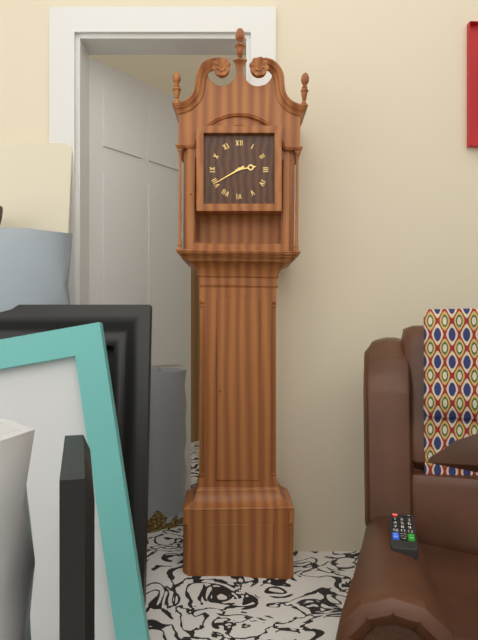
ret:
2:40
